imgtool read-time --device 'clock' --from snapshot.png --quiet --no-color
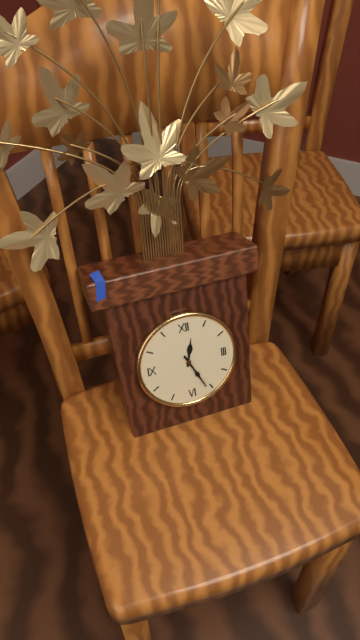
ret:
12:26
